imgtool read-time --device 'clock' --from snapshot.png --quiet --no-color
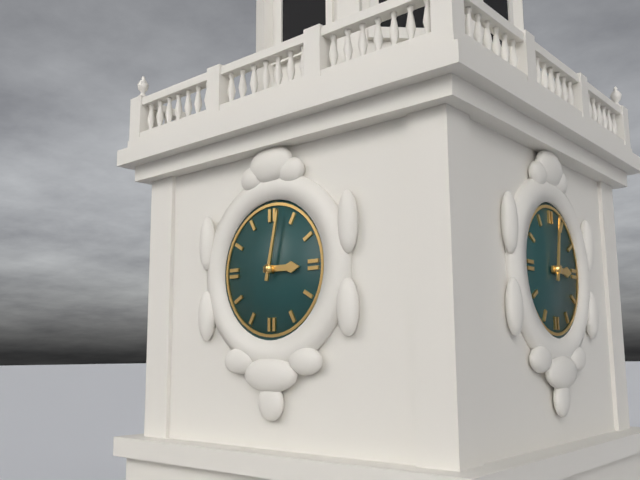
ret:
3:02
